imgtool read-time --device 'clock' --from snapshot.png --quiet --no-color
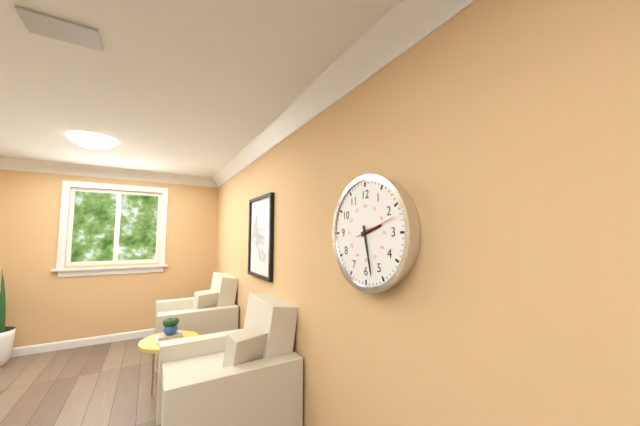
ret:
2:28
